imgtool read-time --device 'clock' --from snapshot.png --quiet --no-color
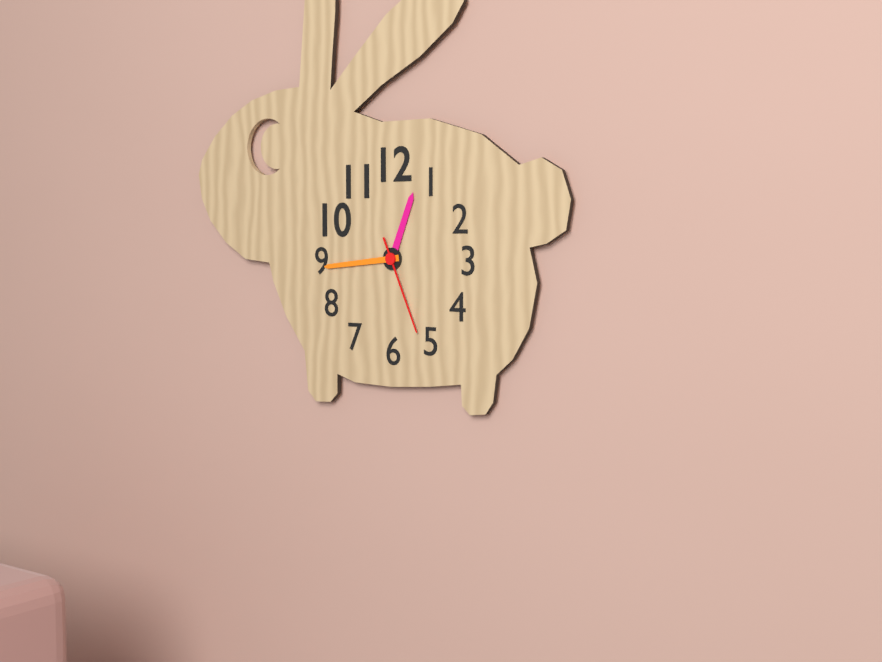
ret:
12:44:26
